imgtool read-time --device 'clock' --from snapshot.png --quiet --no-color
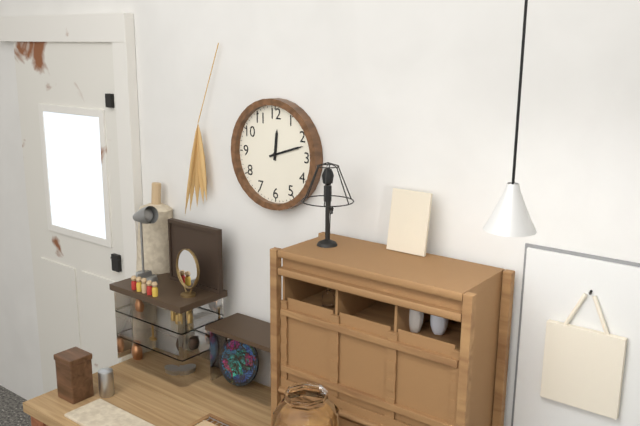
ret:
12:12
